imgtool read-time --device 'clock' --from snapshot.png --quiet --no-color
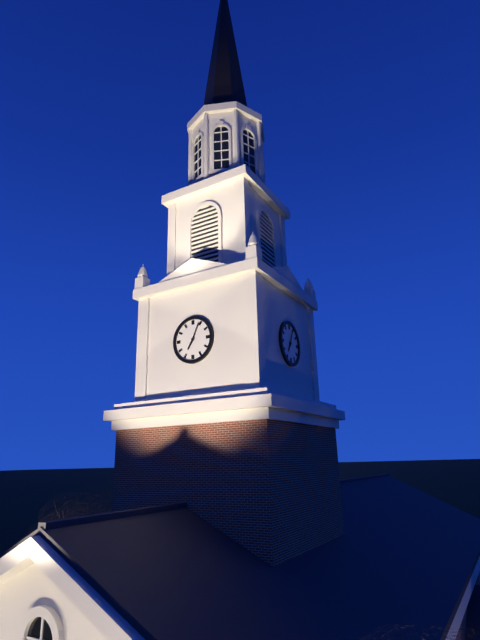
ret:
7:04
